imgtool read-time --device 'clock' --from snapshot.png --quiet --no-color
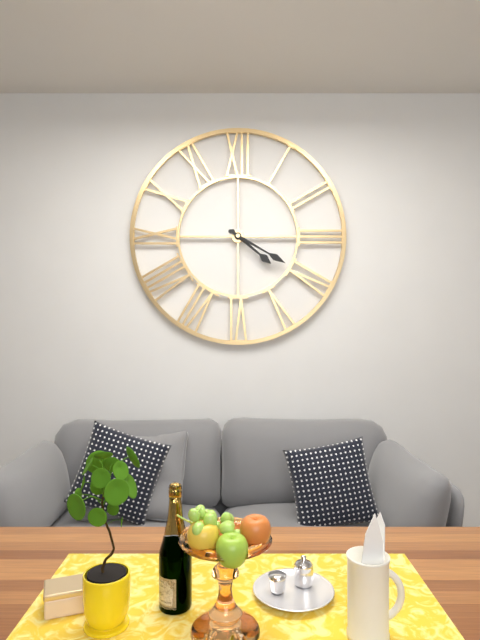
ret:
4:20
